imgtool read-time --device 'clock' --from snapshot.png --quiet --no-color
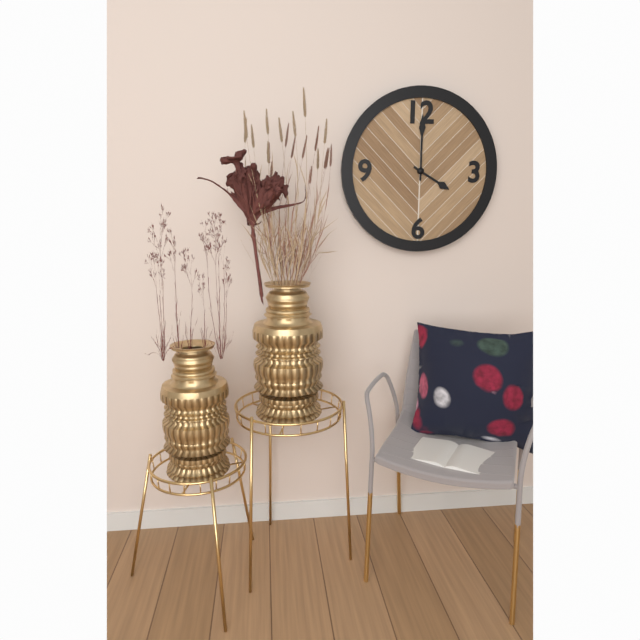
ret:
4:00
